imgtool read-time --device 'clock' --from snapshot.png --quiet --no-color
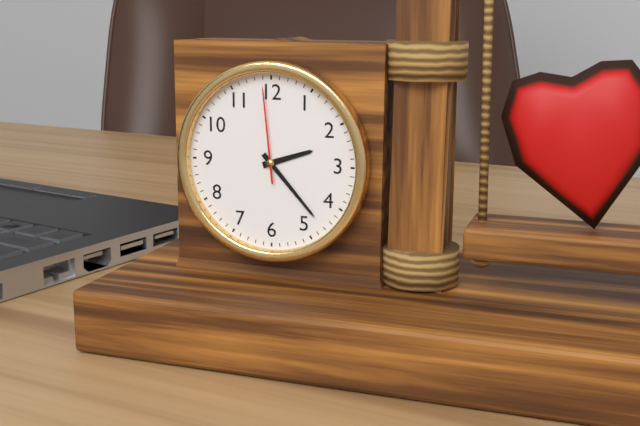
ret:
2:23:59
